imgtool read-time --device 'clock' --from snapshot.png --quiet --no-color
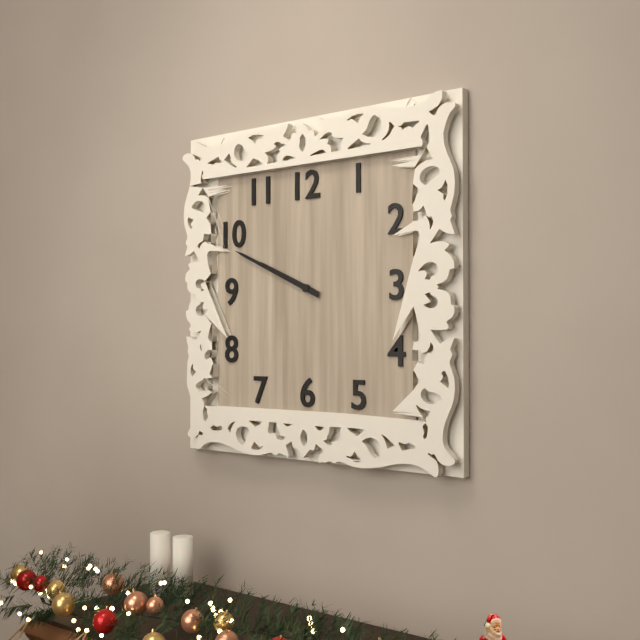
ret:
9:49
